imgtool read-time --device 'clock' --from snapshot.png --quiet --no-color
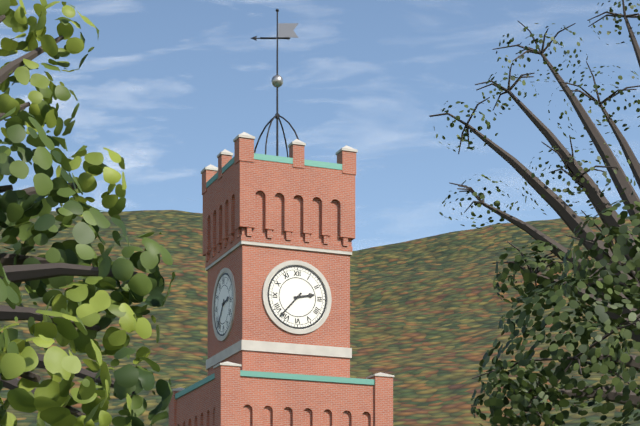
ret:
2:37
